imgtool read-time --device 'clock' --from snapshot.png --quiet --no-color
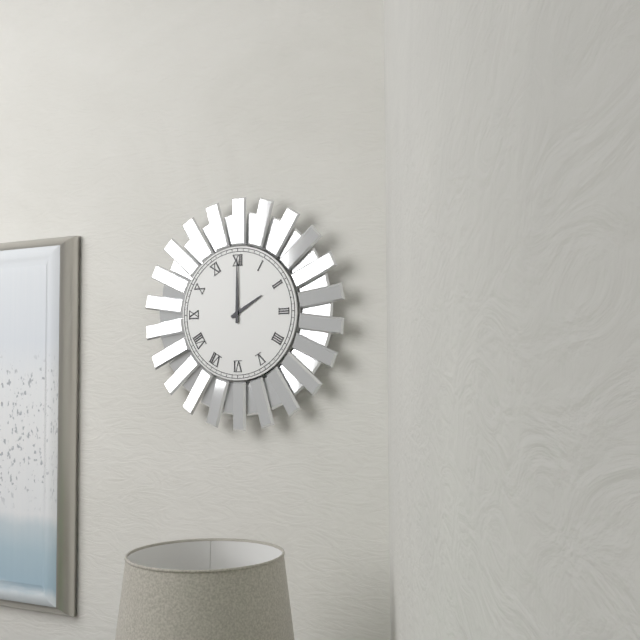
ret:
2:00
